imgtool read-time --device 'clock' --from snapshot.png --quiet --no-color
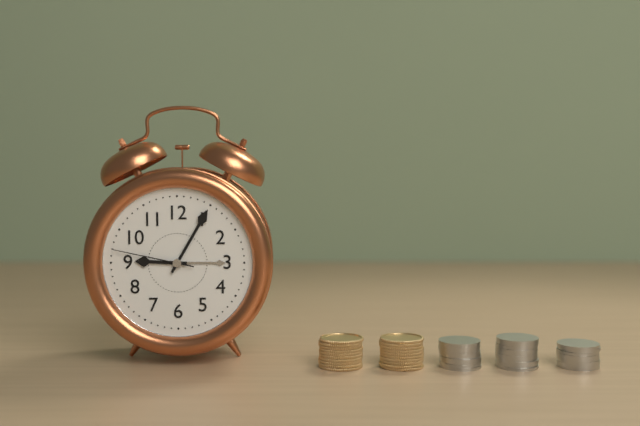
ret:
9:05:47
